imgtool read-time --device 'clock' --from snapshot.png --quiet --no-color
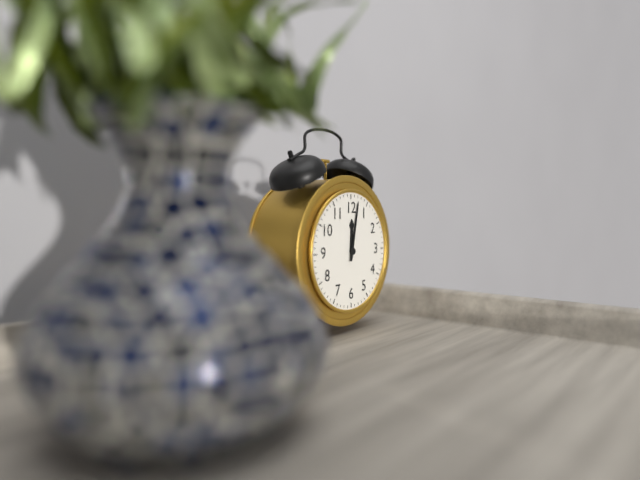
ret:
12:02
